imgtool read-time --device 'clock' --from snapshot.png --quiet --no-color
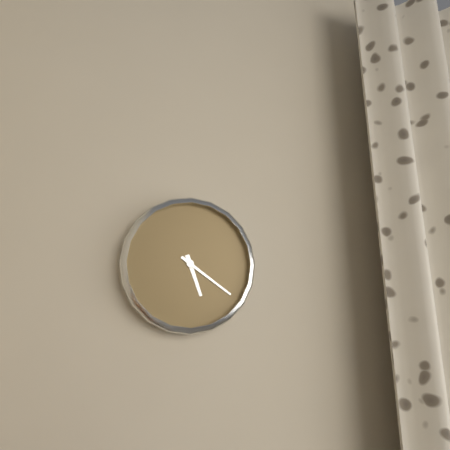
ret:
5:21
